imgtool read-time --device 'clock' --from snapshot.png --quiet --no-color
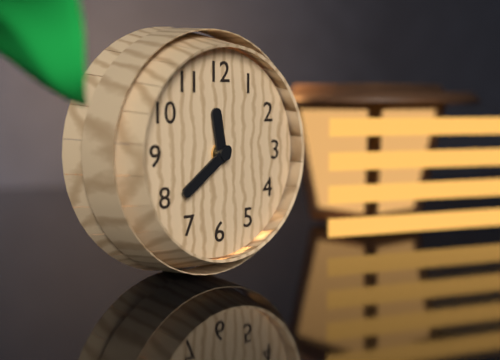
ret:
11:39
